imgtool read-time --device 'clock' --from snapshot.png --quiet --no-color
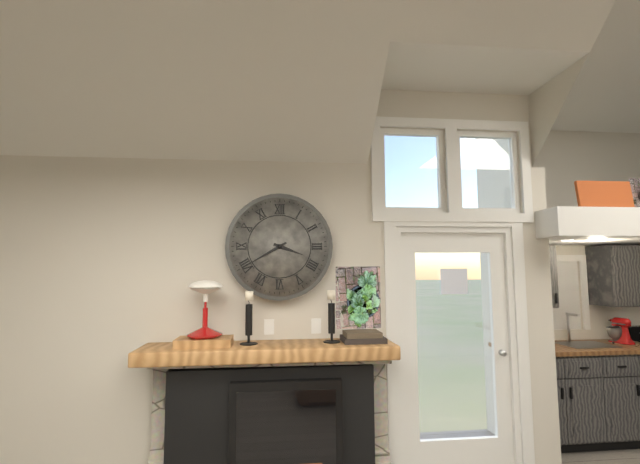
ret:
3:40
